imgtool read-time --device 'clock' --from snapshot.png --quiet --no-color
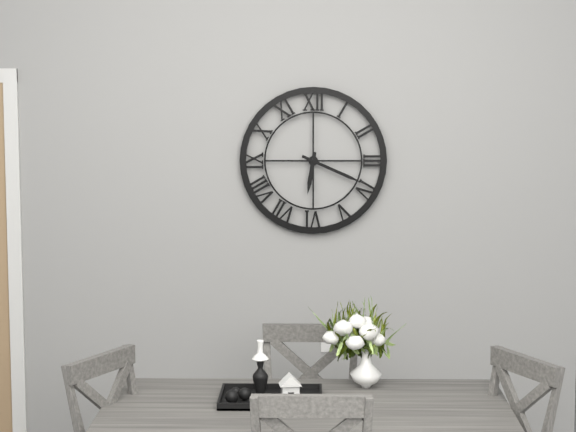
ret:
6:19
